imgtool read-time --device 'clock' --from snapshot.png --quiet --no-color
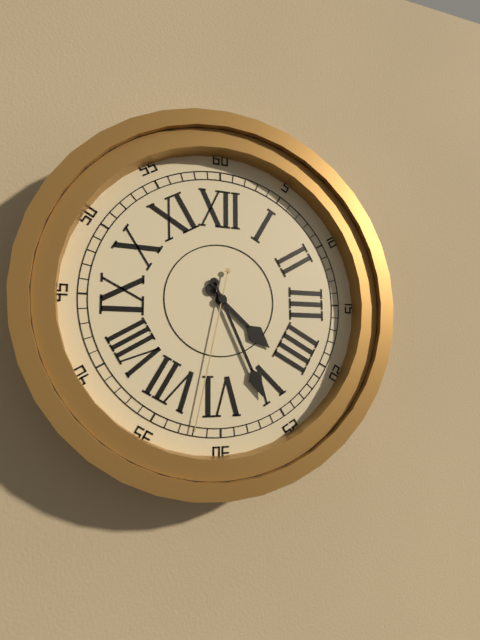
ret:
4:26:32
